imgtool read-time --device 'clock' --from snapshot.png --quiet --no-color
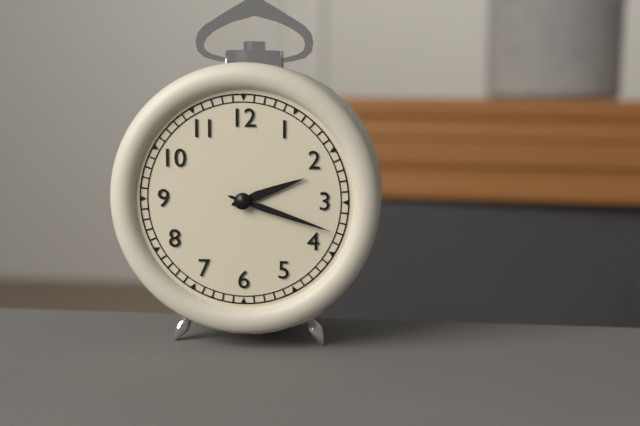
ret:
2:18
